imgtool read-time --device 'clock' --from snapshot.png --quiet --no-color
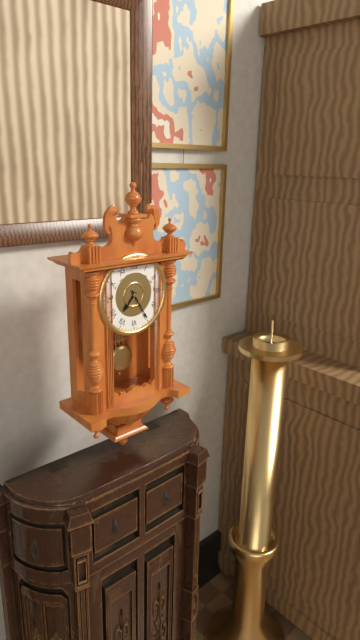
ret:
7:25
